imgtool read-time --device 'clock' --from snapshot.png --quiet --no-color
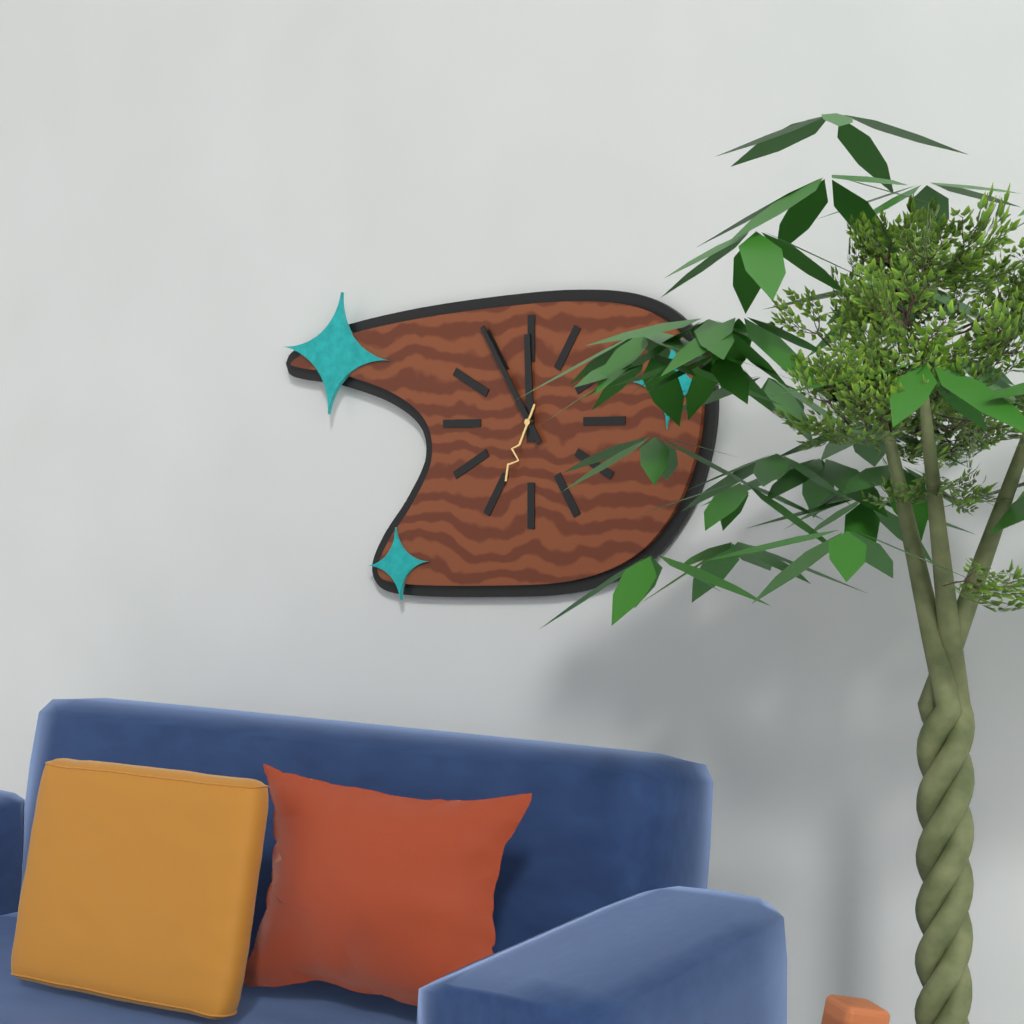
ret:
11:55:34
